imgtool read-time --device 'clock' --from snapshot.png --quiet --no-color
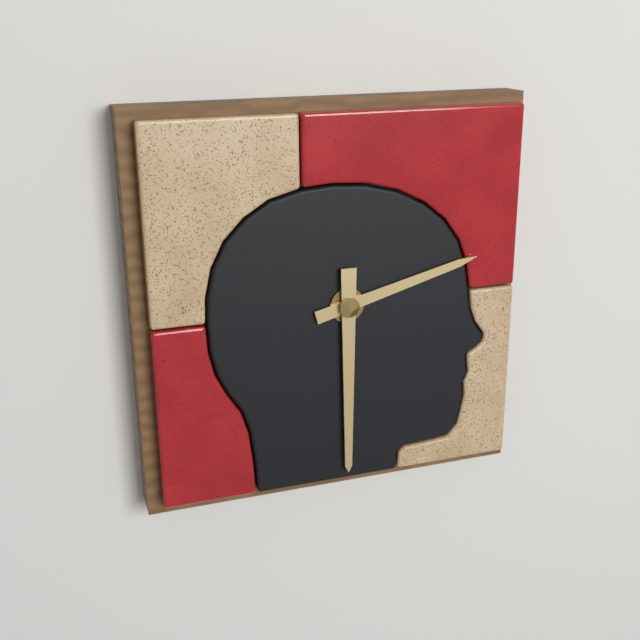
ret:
2:30
